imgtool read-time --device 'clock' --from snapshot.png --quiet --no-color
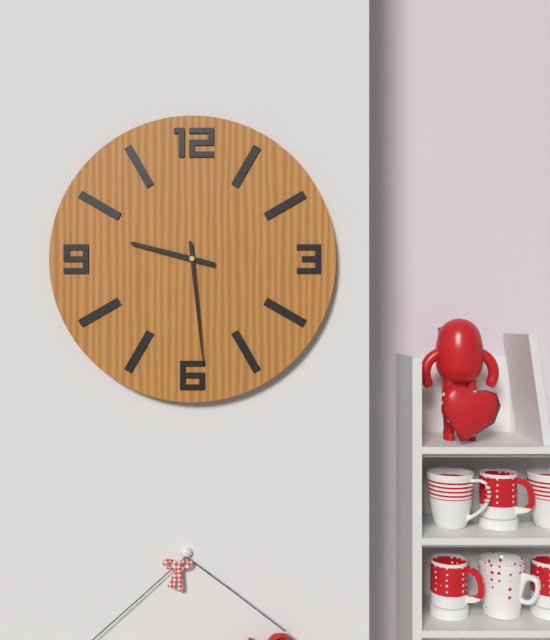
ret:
9:29
